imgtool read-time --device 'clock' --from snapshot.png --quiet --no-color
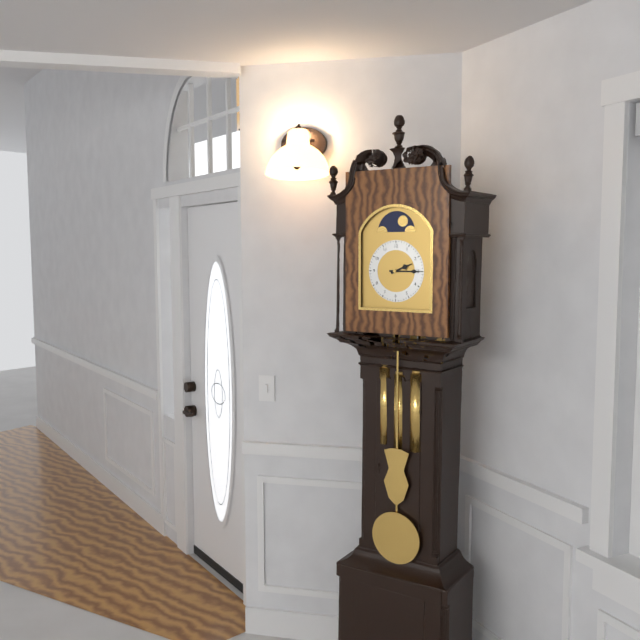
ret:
2:15
